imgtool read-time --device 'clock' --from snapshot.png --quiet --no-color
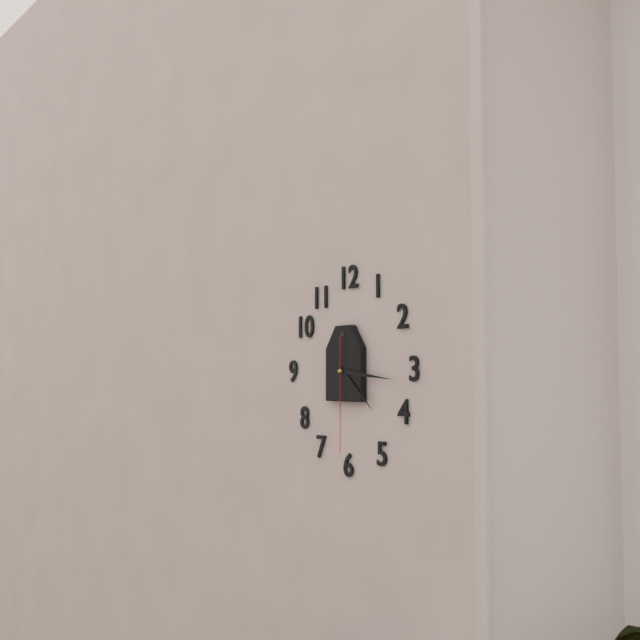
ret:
4:16:30
